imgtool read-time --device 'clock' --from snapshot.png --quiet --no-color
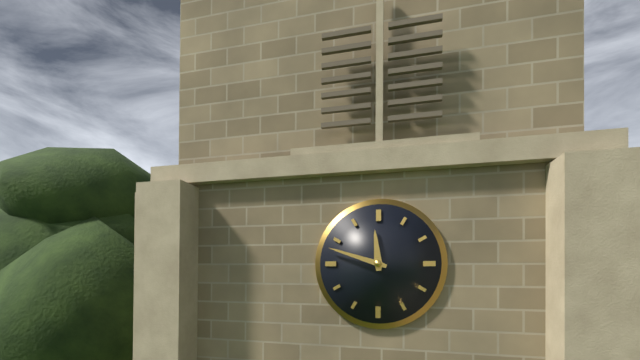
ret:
11:48
